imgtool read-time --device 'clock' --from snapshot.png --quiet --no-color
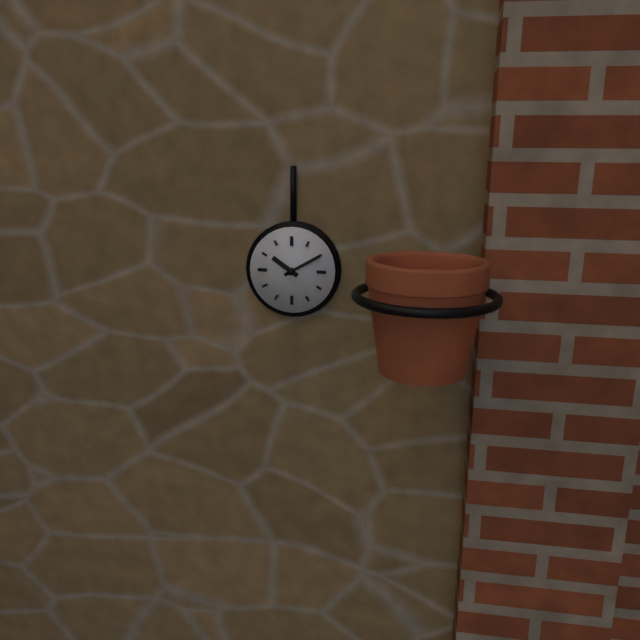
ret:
10:10
